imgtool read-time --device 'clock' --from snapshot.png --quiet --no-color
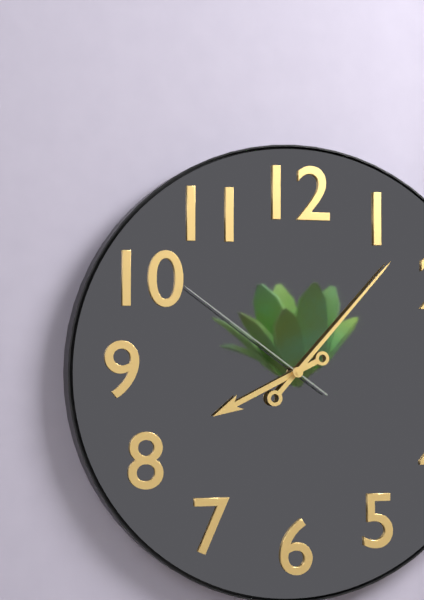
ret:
8:07:51
